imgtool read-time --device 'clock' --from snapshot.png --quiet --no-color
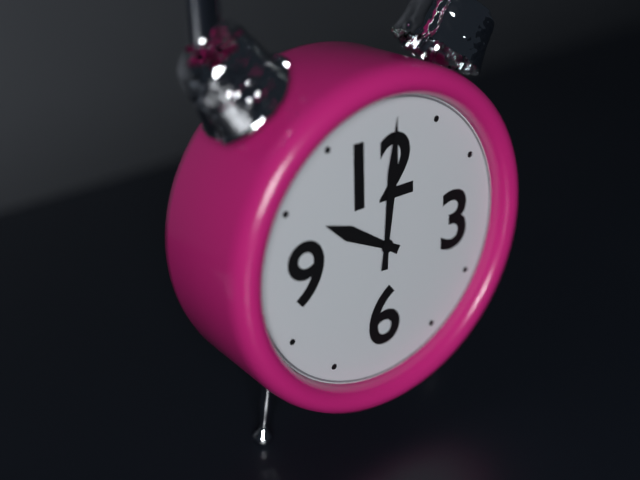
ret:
10:01
